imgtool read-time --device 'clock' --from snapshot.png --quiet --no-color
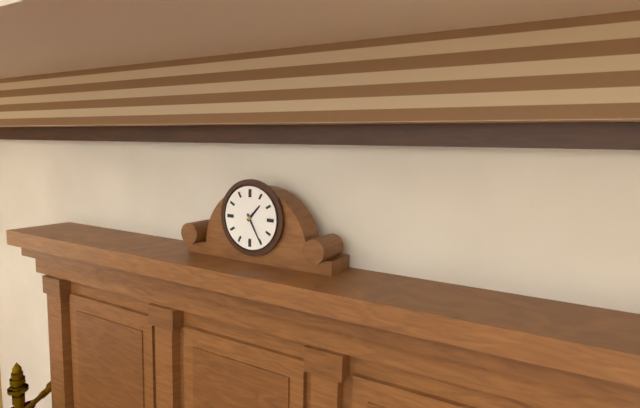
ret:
1:25
